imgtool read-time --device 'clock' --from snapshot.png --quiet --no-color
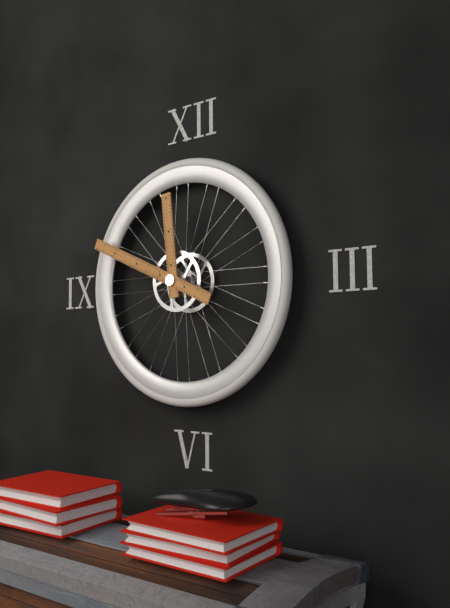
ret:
11:49
